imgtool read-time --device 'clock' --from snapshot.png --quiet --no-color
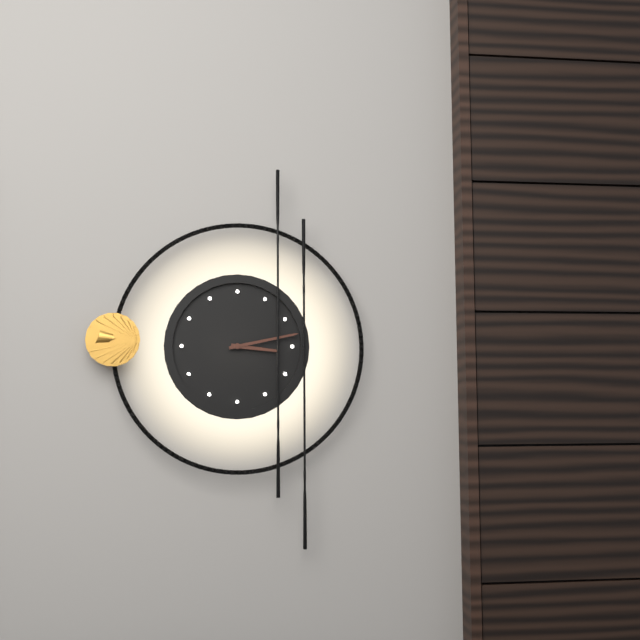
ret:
3:13
